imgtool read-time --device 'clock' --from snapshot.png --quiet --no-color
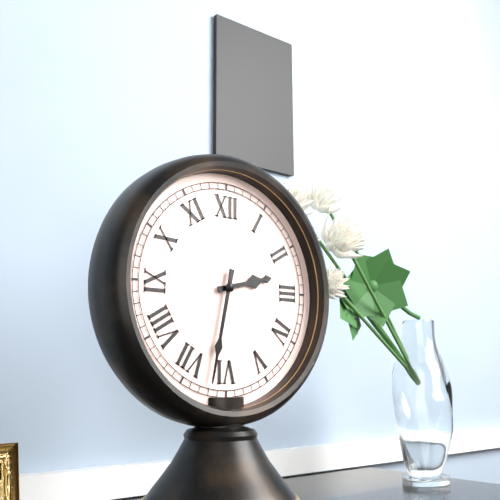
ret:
2:32
